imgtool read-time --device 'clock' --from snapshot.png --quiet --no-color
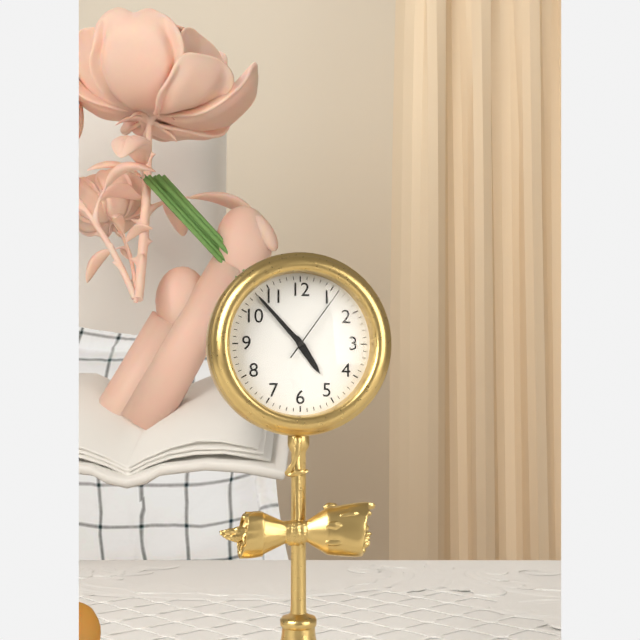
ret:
4:53:06
